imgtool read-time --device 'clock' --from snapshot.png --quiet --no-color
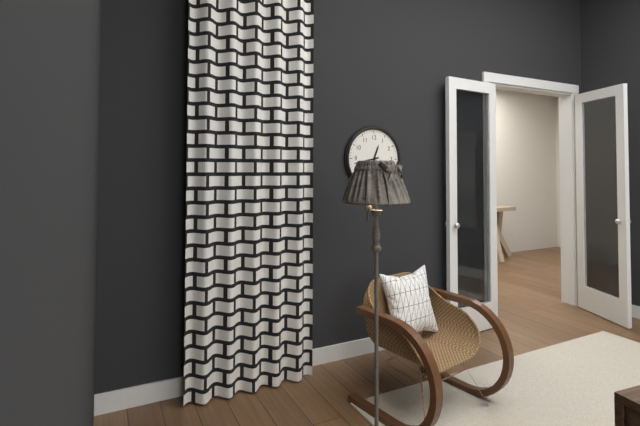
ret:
12:43
